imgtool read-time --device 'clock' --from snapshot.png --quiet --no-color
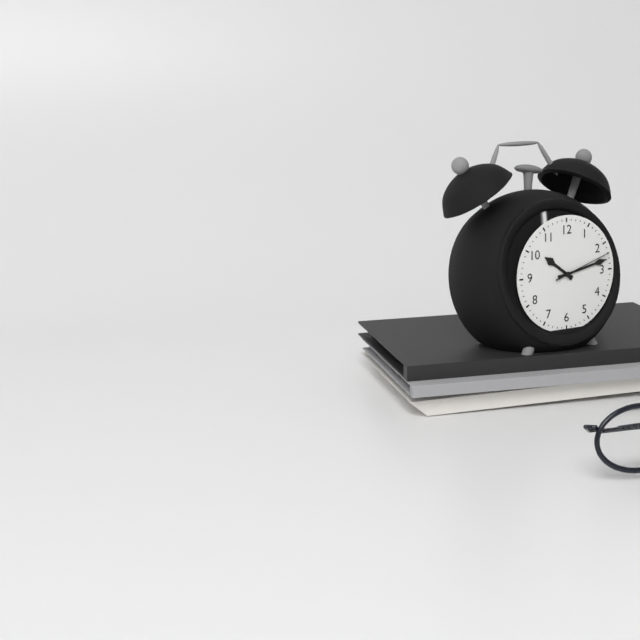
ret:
10:13:12
